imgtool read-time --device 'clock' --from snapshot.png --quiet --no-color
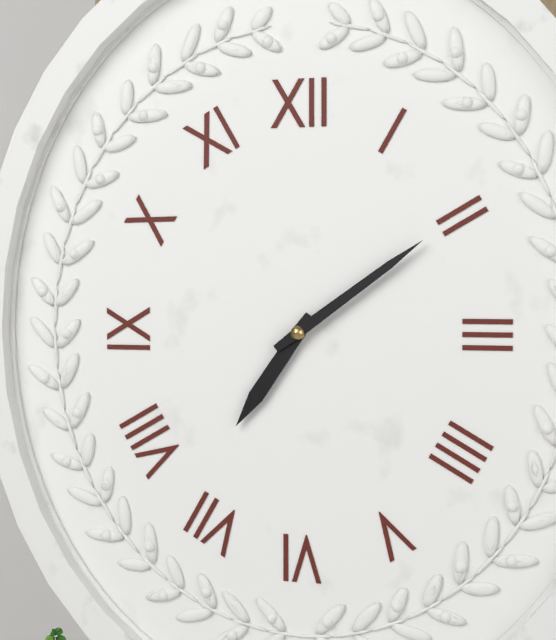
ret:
7:09
